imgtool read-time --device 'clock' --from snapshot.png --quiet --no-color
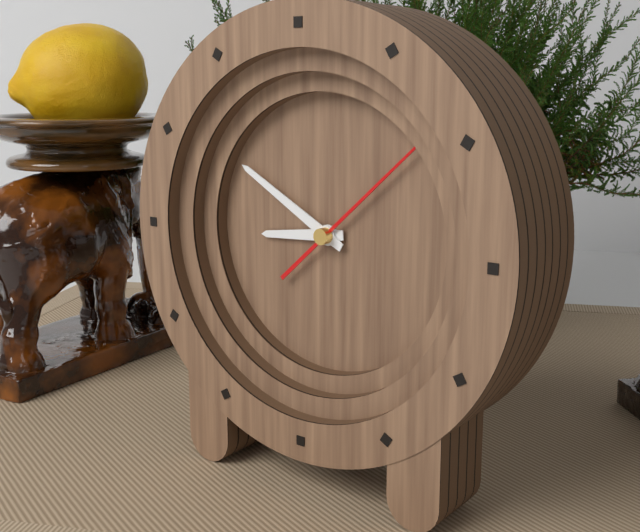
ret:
8:50:08
